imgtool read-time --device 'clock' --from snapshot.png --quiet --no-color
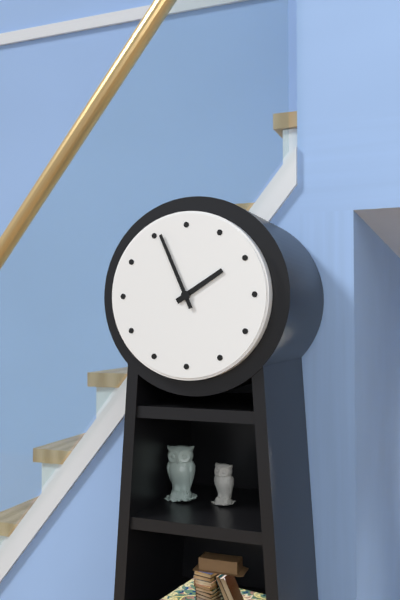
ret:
1:56
